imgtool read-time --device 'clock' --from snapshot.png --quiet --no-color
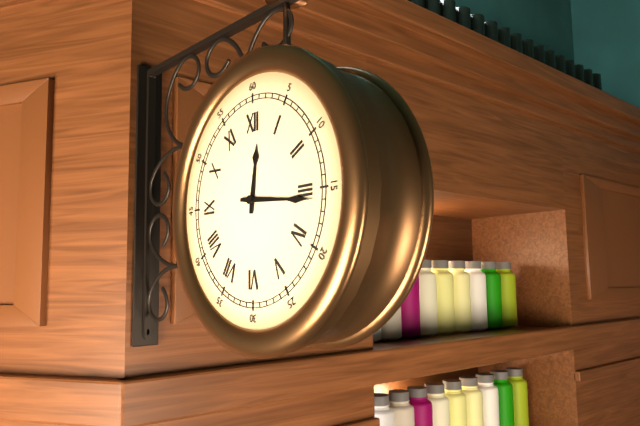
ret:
12:16
